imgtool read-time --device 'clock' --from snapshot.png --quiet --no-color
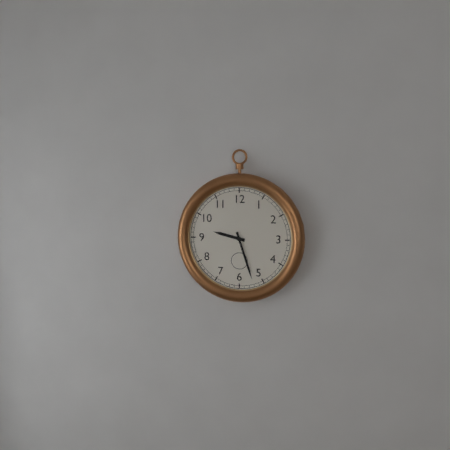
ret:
9:27
